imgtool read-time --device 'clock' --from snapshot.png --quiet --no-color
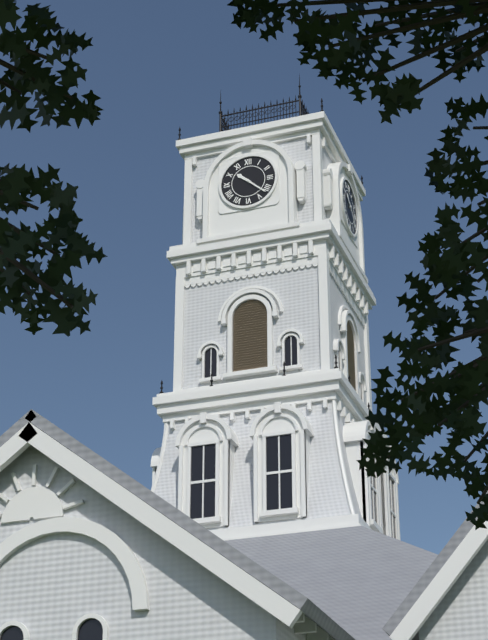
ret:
10:22
